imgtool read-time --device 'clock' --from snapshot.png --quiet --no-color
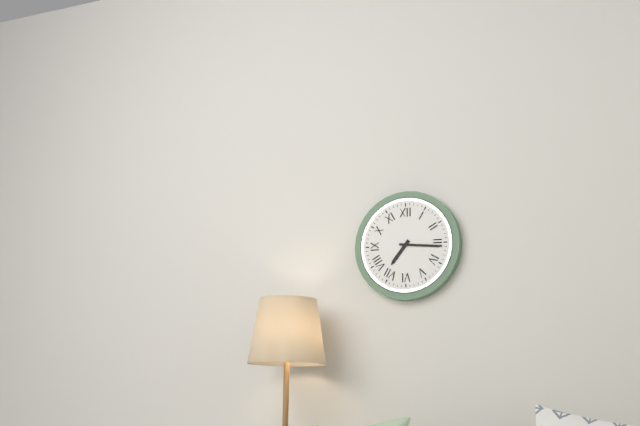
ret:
7:16
